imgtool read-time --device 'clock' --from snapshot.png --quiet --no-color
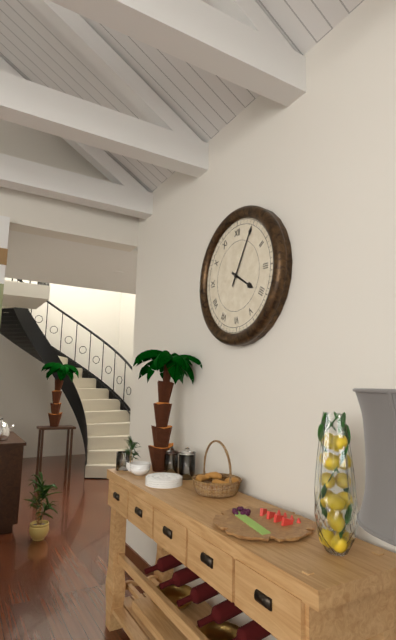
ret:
4:05
